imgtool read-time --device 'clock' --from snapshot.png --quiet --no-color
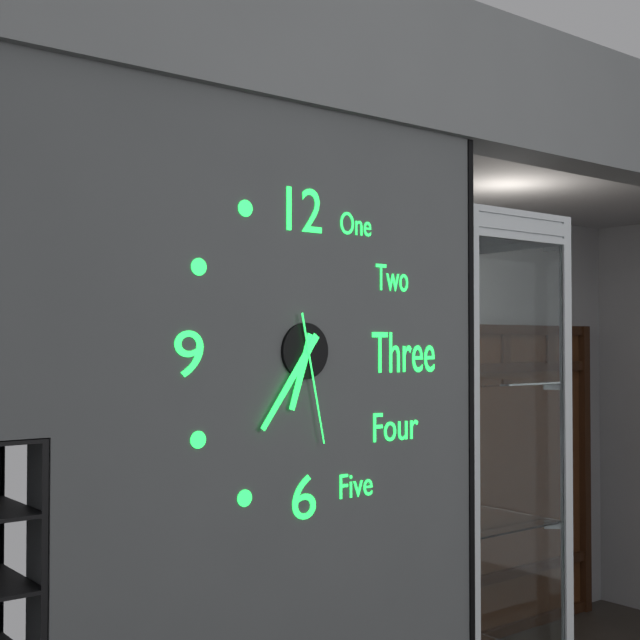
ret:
6:36:28
